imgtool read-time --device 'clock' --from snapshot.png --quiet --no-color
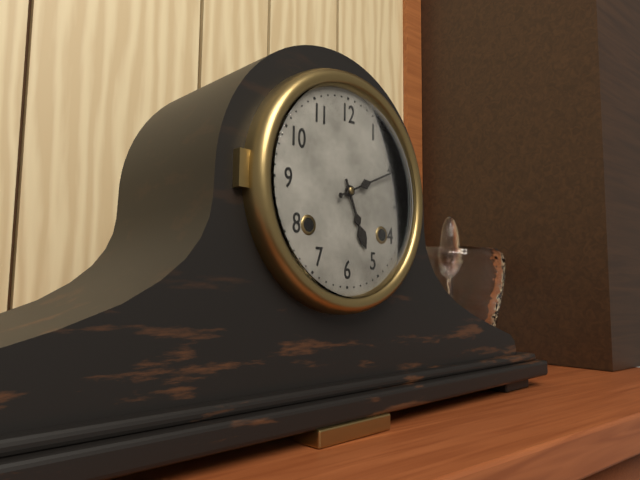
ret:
5:11
